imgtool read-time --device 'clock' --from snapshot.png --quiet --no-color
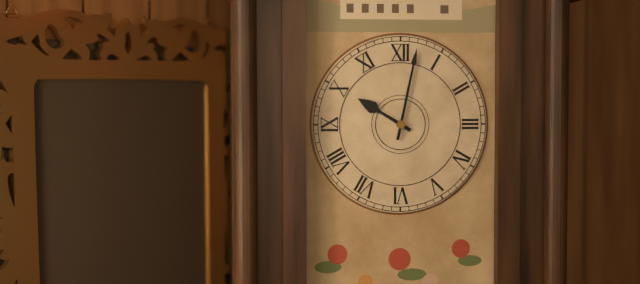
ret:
10:02
